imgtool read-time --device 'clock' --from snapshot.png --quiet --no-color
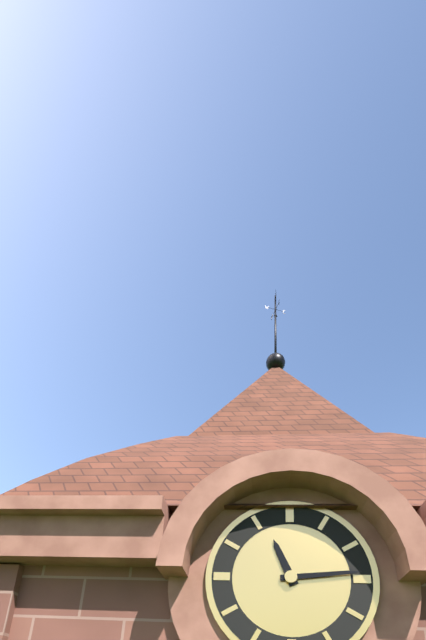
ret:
11:14
